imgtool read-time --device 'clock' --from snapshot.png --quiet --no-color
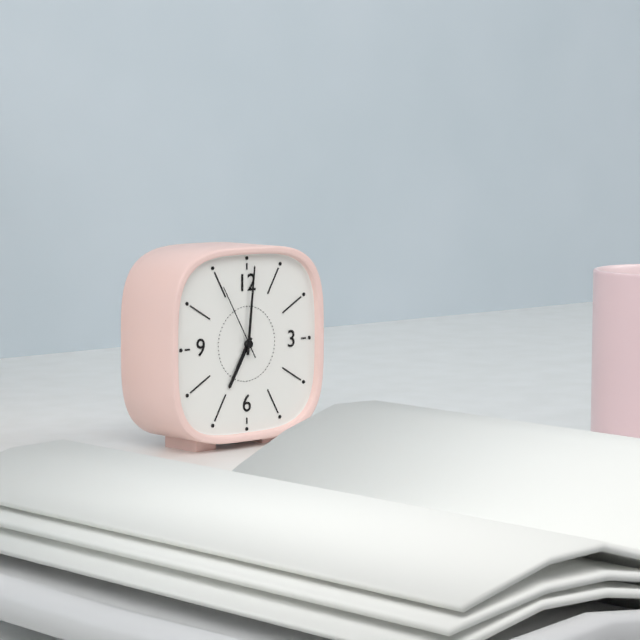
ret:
7:01:55
